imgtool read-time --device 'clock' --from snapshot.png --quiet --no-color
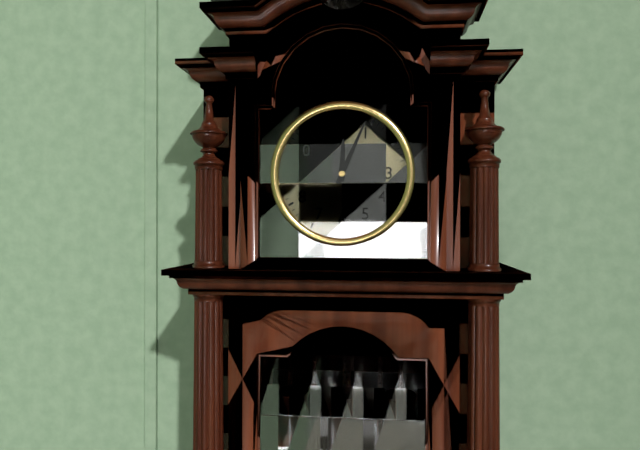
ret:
12:04
